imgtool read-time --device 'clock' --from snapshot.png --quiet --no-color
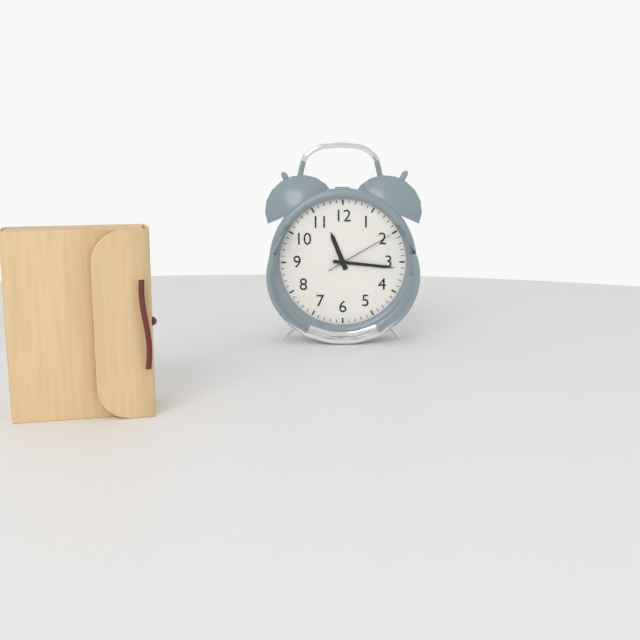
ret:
11:16:10
